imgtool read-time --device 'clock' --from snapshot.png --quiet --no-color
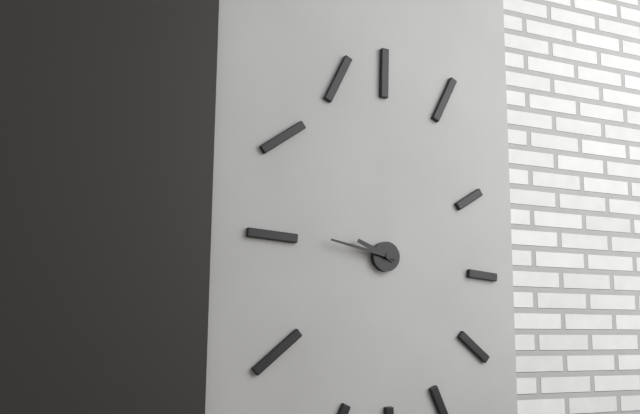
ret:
9:47
